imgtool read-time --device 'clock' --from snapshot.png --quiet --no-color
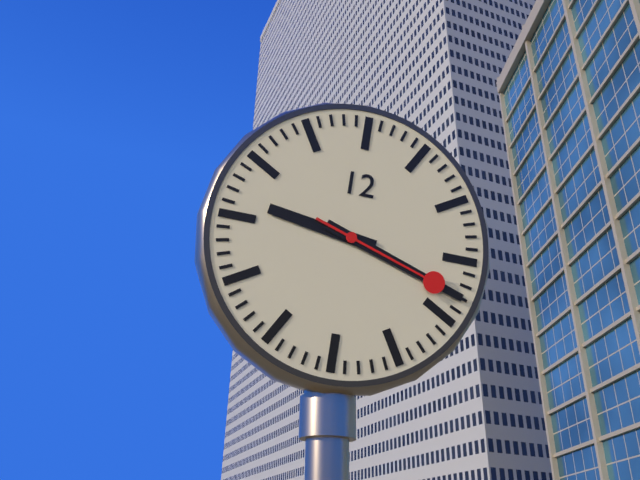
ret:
9:18:18
